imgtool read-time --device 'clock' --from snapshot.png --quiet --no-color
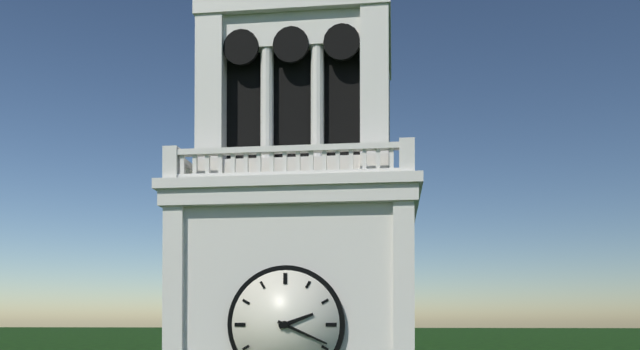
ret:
2:19
